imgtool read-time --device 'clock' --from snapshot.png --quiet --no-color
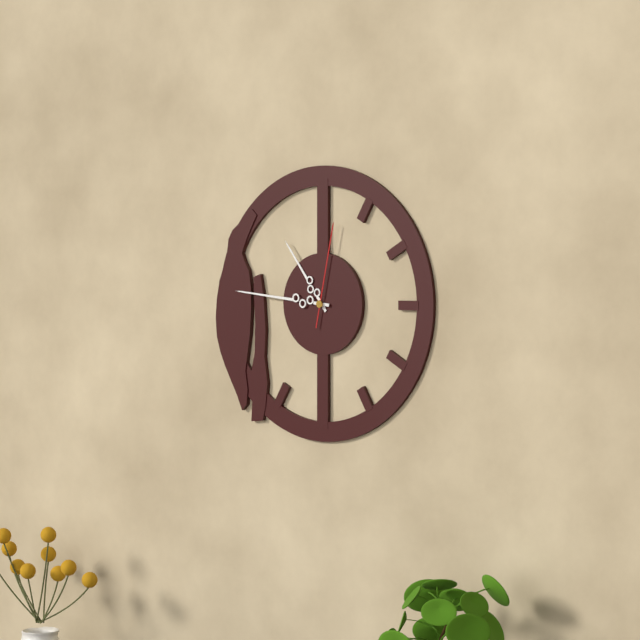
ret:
10:46:02
